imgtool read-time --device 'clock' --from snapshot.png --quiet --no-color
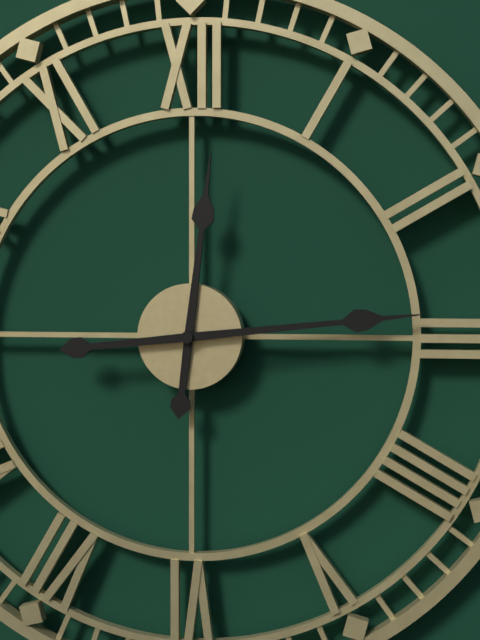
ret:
12:14
